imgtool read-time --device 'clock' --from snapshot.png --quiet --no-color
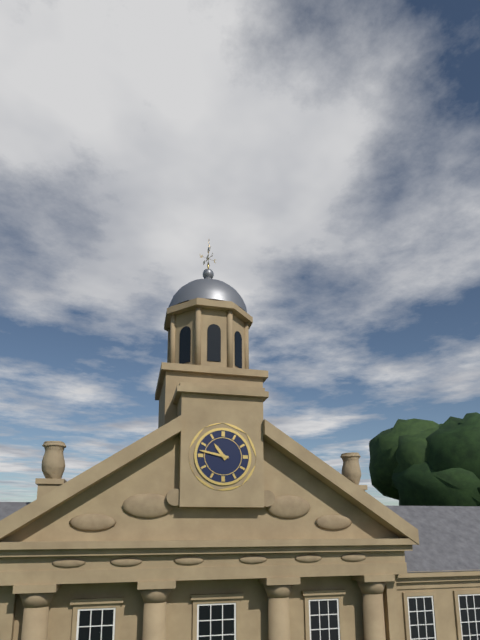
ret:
10:47
